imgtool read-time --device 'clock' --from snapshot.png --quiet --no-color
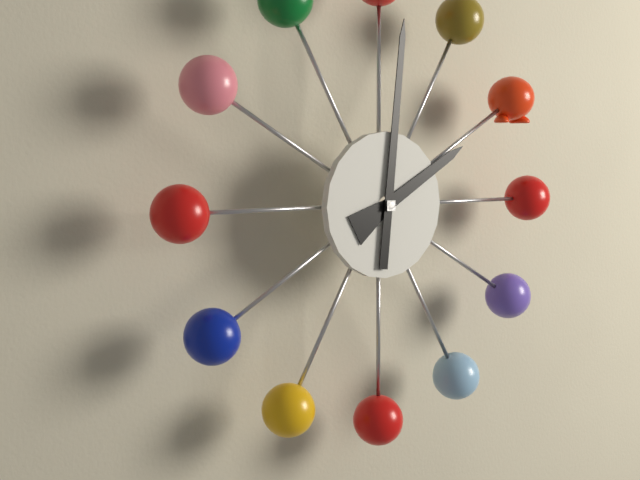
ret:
2:01
